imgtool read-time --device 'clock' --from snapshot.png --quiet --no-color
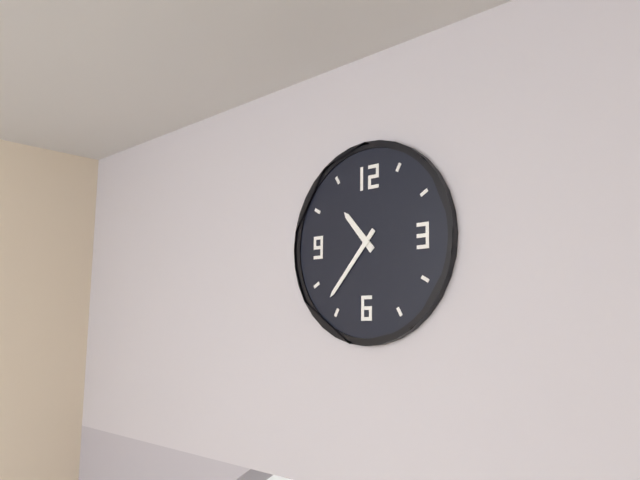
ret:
10:37
